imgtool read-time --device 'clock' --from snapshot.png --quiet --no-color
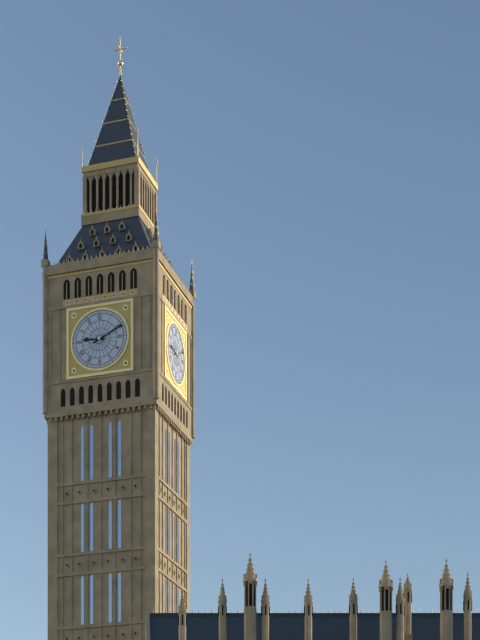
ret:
9:11
